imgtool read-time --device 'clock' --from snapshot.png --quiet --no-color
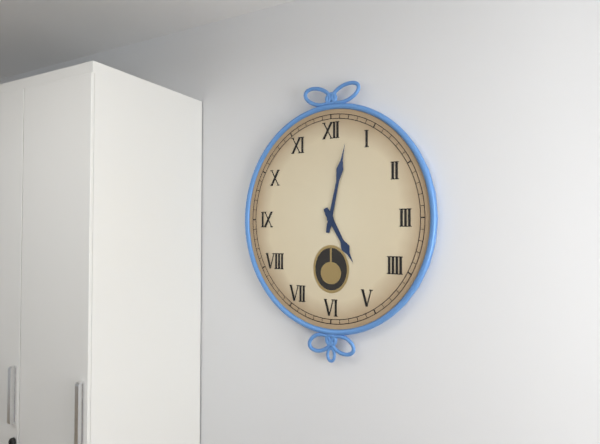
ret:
5:02
